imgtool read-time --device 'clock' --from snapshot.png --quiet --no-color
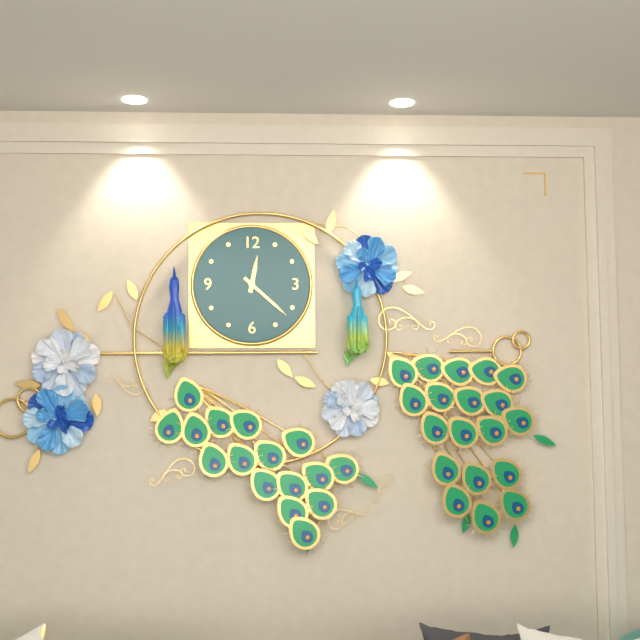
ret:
12:22
